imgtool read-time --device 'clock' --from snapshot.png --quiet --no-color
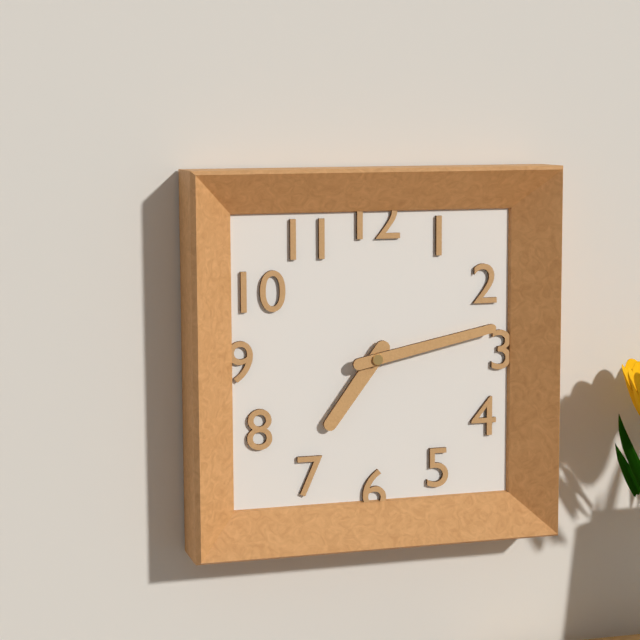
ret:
7:13
